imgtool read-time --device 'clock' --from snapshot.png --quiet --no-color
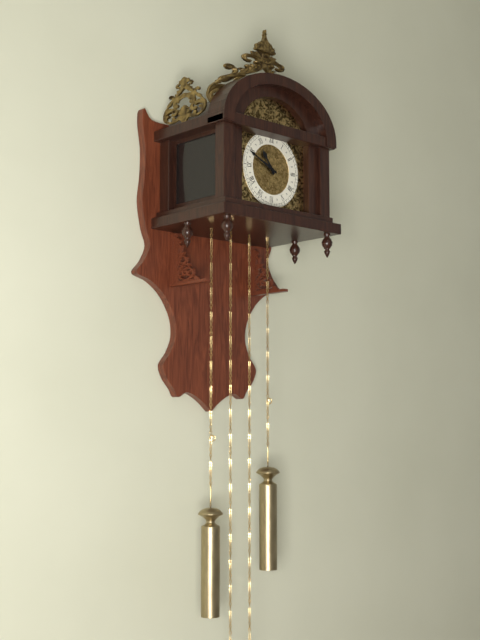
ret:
10:49
